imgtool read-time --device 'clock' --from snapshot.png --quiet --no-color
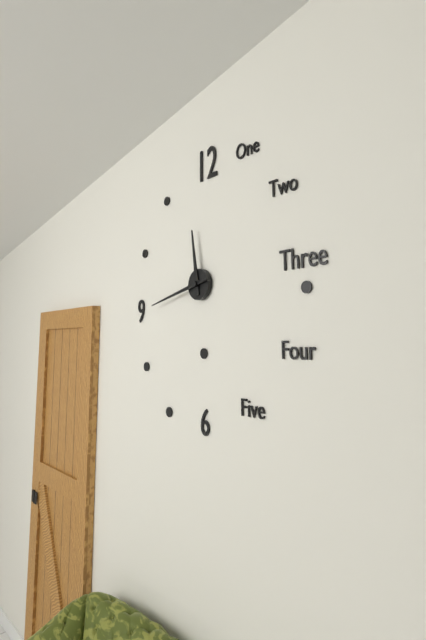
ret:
11:43
